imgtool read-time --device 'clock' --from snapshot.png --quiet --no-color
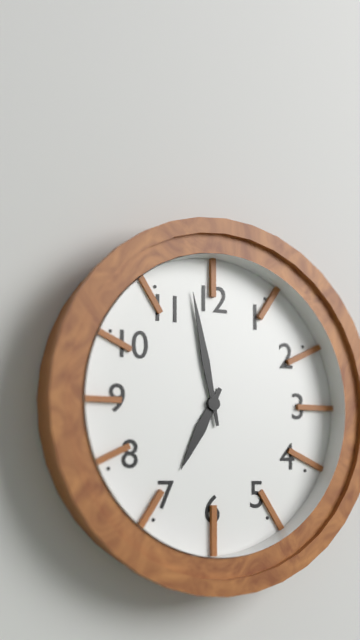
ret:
6:58
